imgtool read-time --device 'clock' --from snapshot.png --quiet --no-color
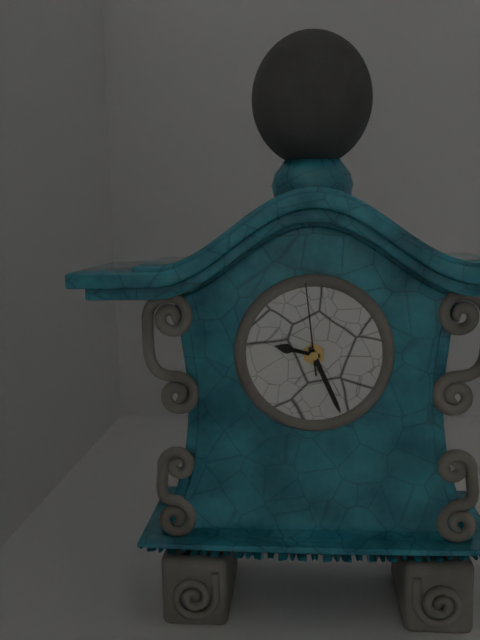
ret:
9:26:59
